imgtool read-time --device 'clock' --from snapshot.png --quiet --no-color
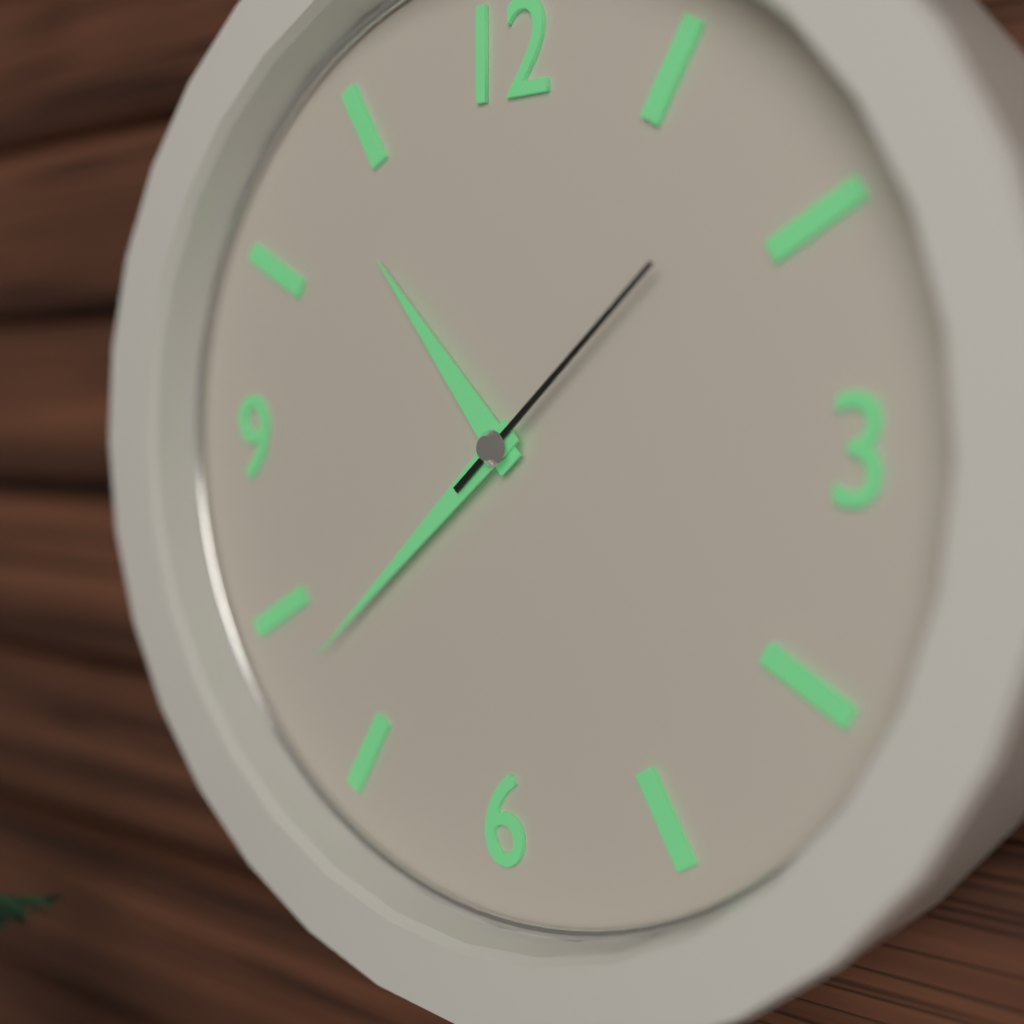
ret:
10:38:08
